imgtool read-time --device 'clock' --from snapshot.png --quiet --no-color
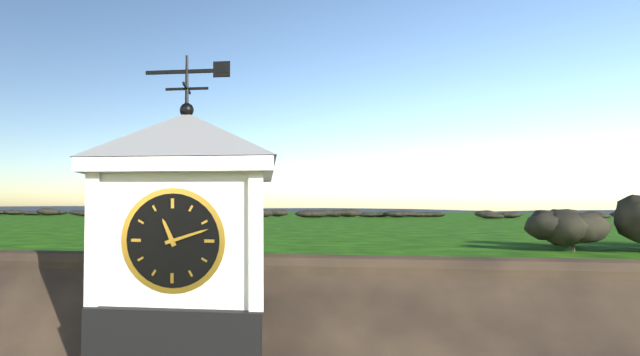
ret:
11:12
